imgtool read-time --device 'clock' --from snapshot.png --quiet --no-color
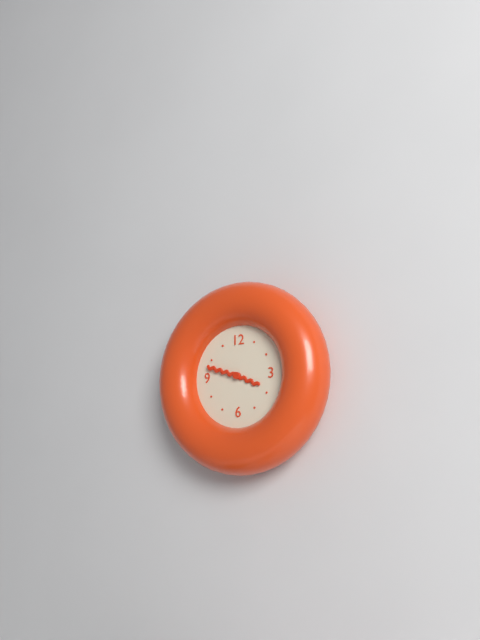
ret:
3:48
